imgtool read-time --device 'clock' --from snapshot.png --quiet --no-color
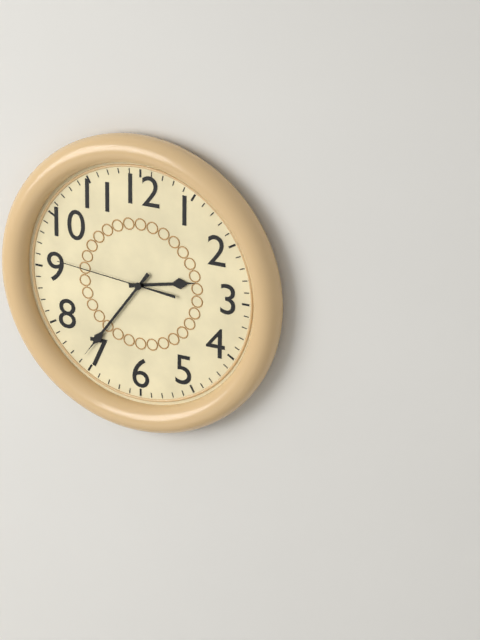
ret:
2:36:46
